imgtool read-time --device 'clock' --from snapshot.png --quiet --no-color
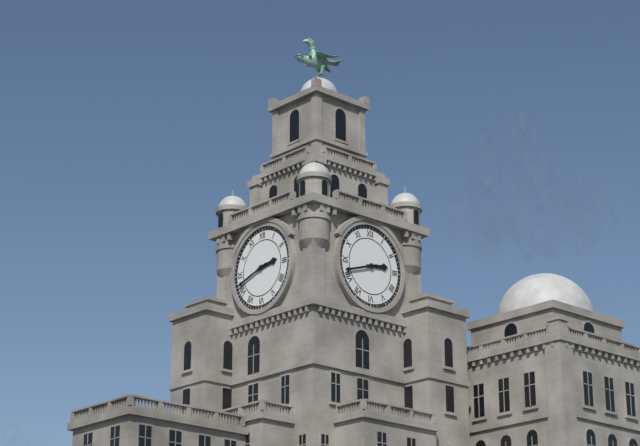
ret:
2:42
